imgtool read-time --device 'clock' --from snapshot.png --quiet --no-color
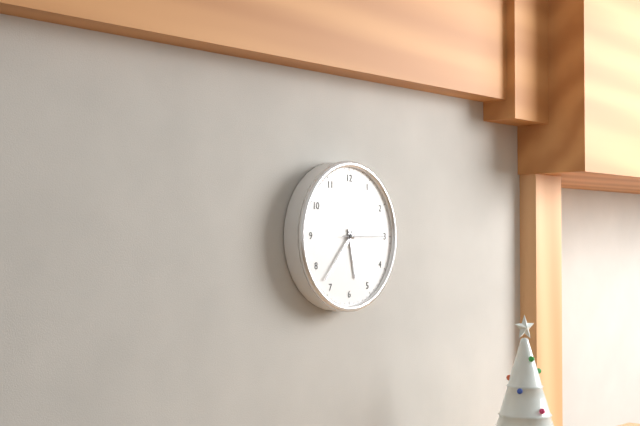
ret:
5:37
